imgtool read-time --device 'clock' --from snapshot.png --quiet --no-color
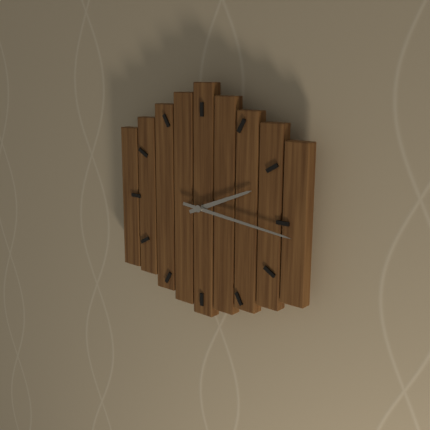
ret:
2:16
